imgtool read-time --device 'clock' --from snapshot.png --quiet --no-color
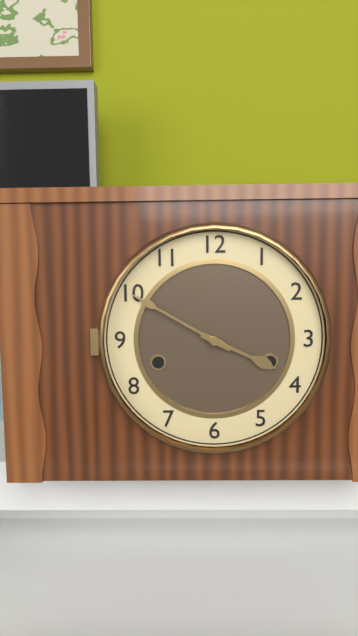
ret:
3:50
